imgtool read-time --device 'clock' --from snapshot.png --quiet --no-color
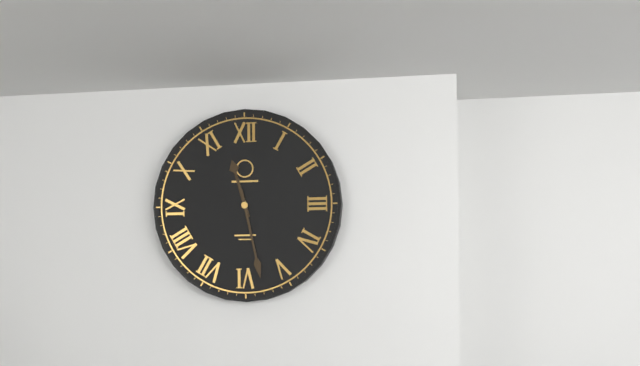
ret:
11:28
